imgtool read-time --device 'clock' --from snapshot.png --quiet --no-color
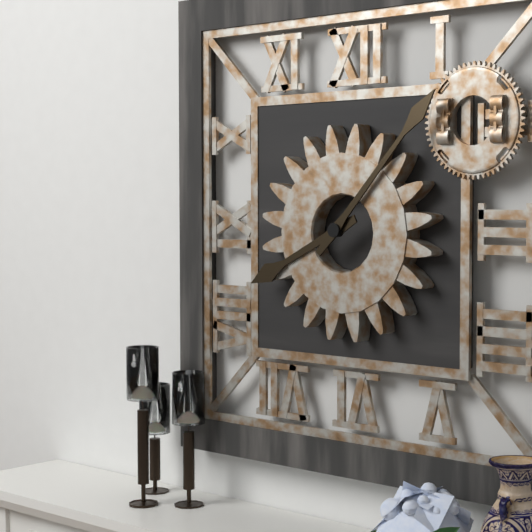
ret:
8:07
